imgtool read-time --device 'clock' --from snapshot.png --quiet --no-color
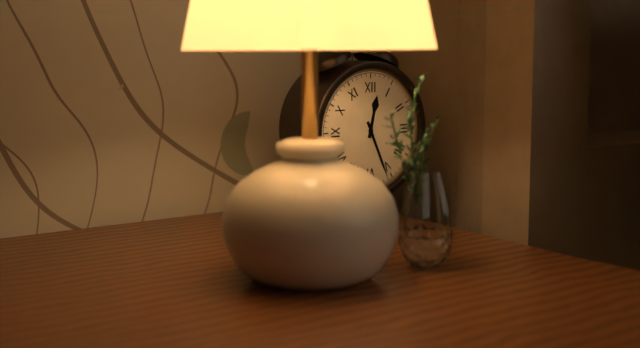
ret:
12:26
